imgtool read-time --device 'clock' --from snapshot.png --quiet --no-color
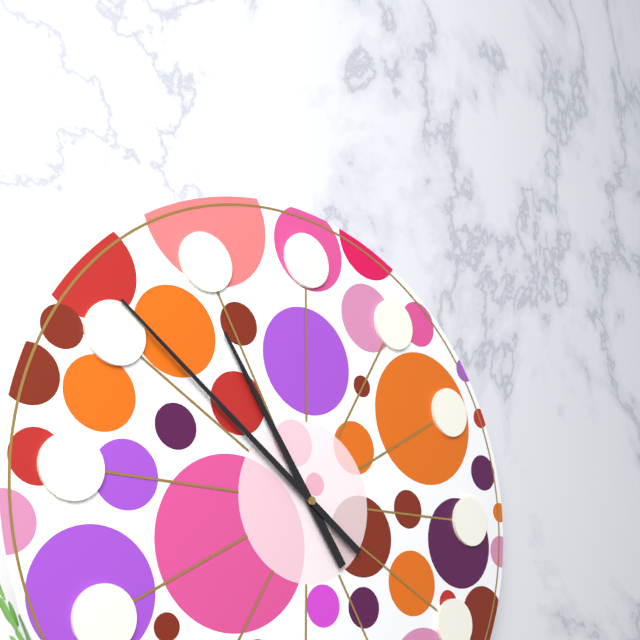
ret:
10:51
